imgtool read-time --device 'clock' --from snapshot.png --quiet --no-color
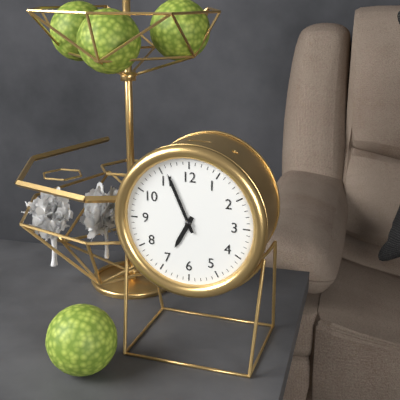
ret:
6:56
